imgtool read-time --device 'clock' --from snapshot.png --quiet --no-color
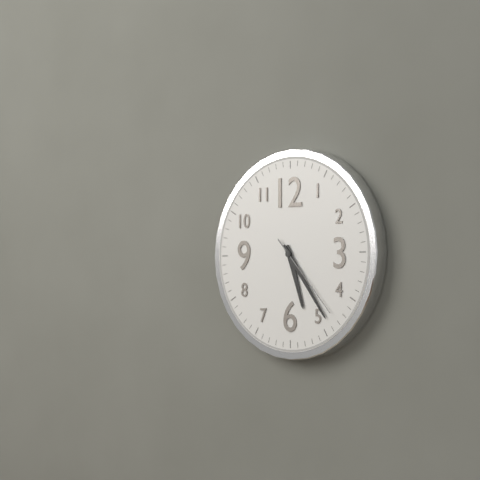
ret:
5:24:23
